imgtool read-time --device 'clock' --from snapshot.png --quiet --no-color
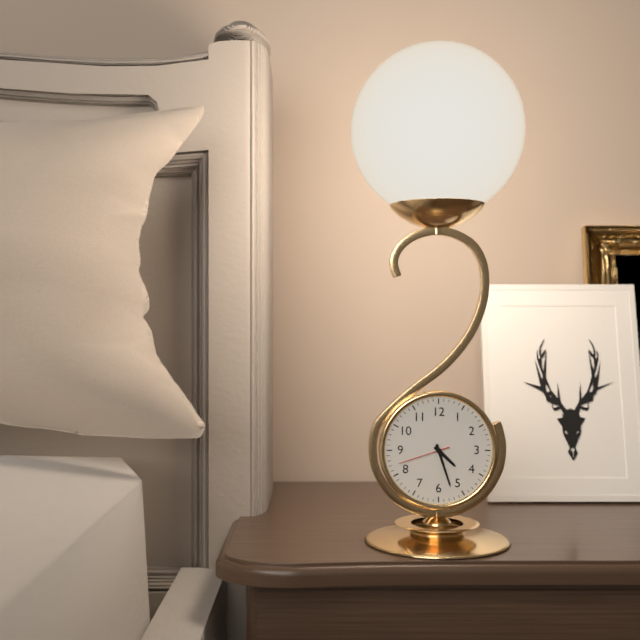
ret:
4:27:42
